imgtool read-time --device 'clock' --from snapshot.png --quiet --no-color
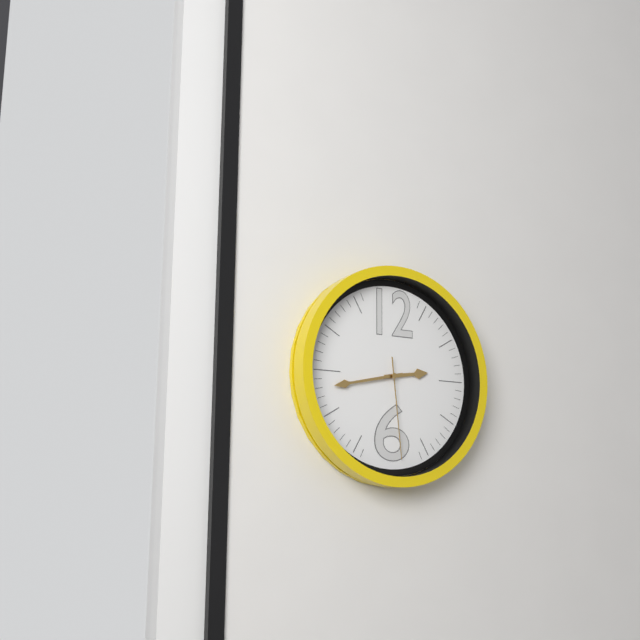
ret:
2:43:29
